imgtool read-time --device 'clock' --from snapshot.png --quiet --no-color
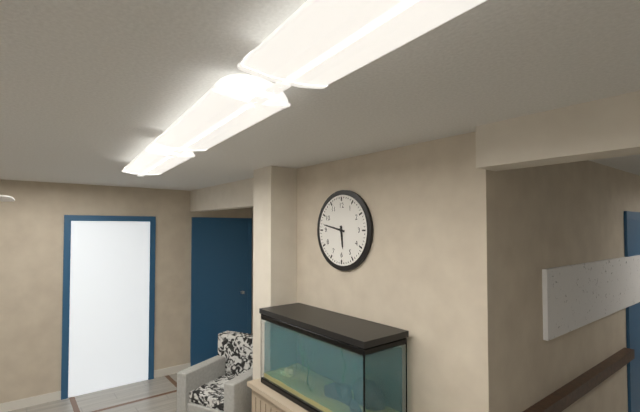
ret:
5:47
